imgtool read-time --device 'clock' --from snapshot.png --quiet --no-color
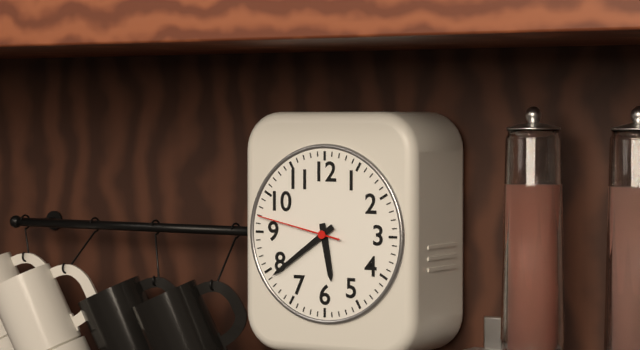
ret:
5:39:47
